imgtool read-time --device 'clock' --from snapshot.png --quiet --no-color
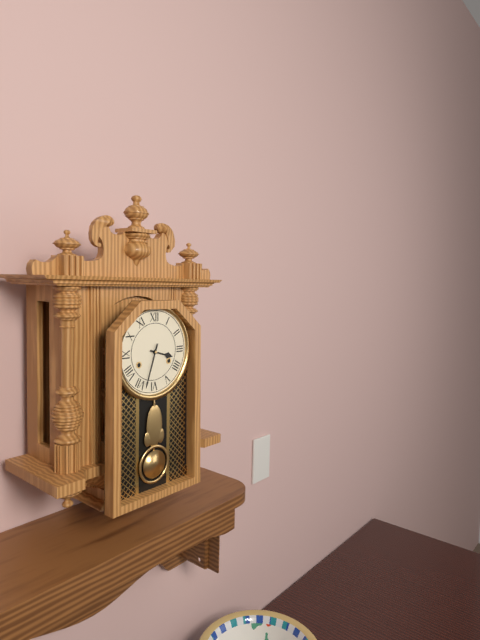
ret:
3:33
